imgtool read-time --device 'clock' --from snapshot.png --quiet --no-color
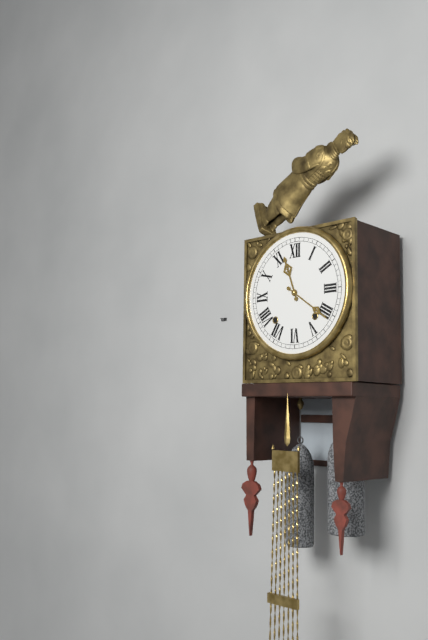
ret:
11:21
